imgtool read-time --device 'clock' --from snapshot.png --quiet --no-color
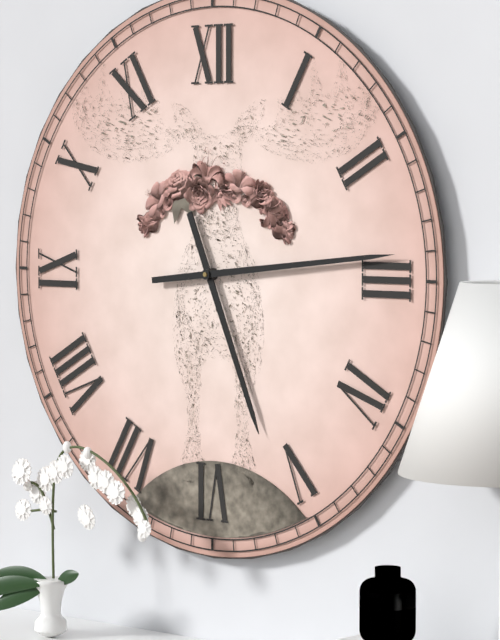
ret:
5:14
